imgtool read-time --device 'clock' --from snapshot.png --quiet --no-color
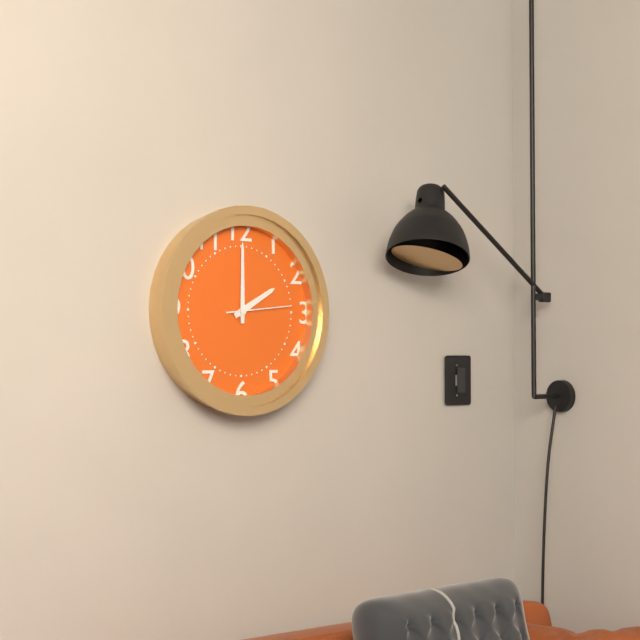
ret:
2:00:14
